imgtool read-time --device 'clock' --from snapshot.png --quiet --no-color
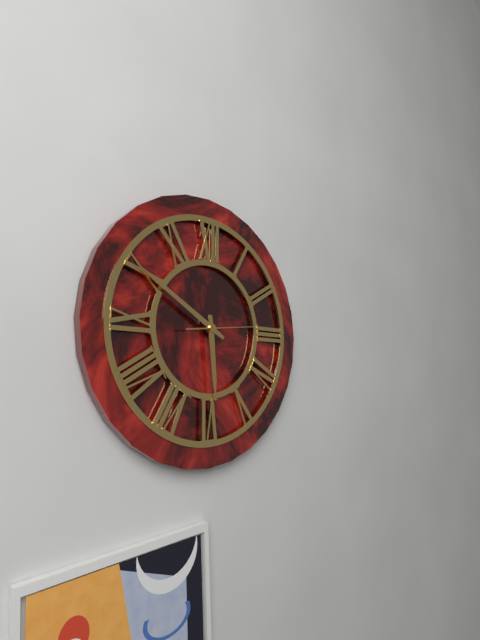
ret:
5:50:14
